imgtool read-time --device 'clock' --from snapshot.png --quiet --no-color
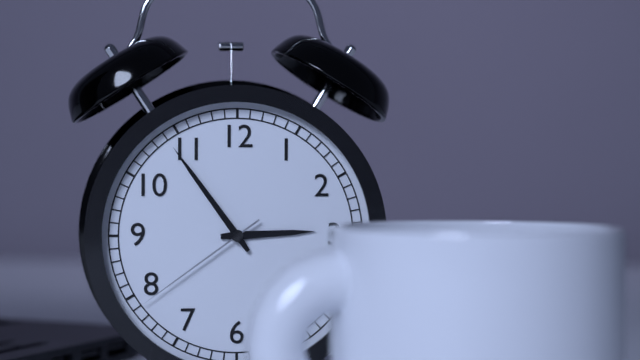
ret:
2:54:39
